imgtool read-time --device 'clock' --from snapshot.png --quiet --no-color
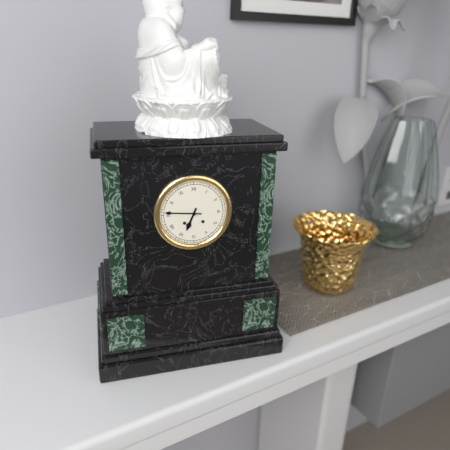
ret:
6:46
